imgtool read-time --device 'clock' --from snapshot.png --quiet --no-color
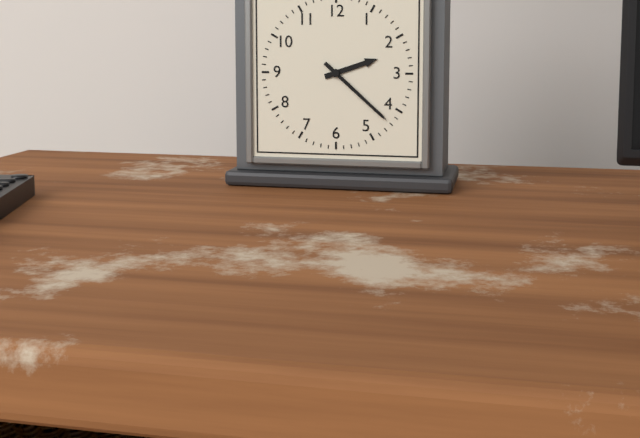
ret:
2:22
